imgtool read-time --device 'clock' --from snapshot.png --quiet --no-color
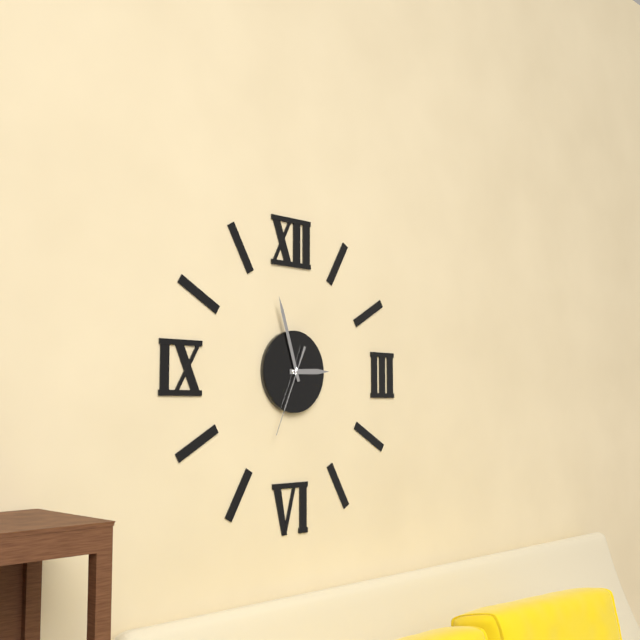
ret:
2:57:34
